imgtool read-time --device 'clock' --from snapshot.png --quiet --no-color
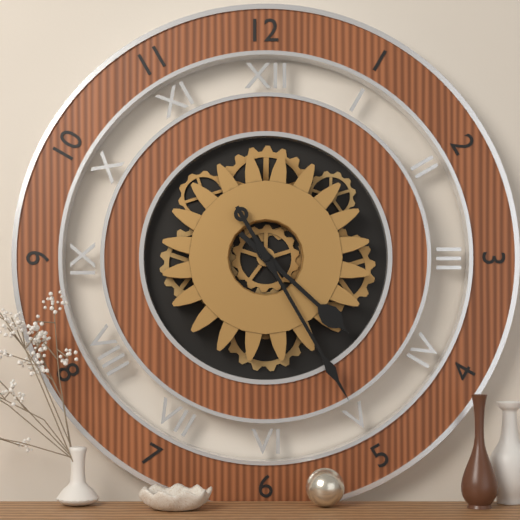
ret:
4:25
